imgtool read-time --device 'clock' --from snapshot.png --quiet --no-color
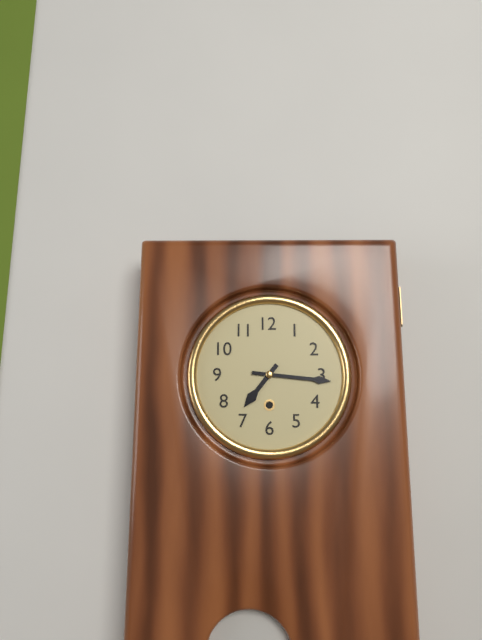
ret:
7:16
